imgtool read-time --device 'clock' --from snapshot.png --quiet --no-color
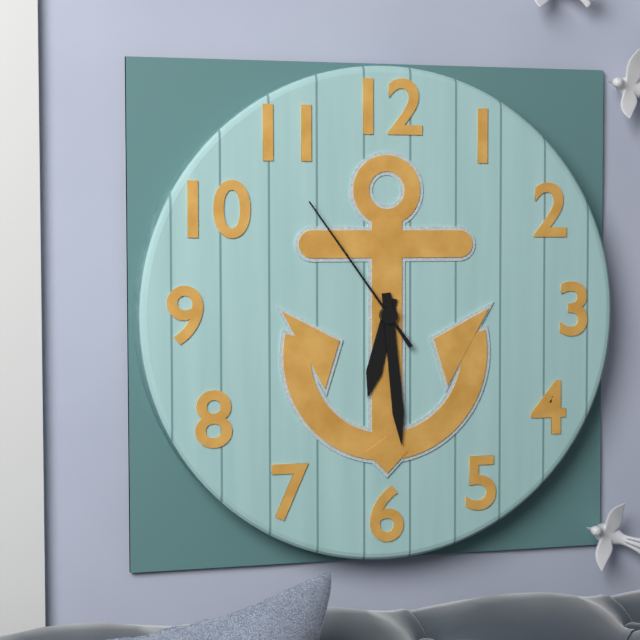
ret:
6:29:54
